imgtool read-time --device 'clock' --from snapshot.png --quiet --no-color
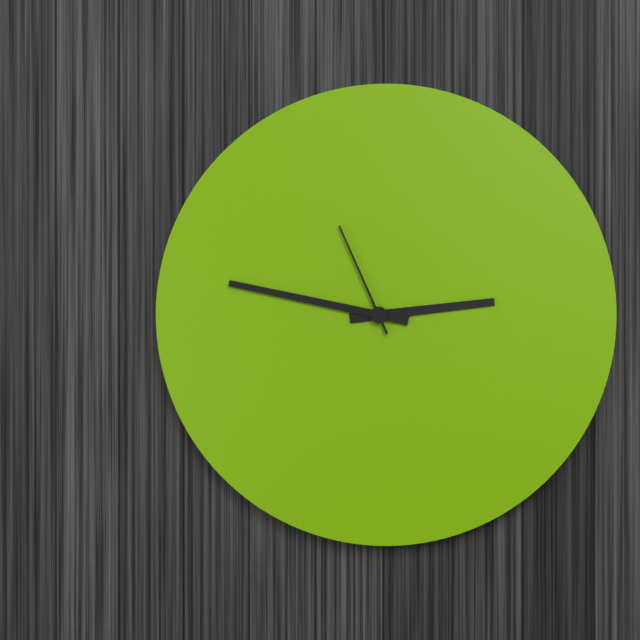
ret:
2:47:56
